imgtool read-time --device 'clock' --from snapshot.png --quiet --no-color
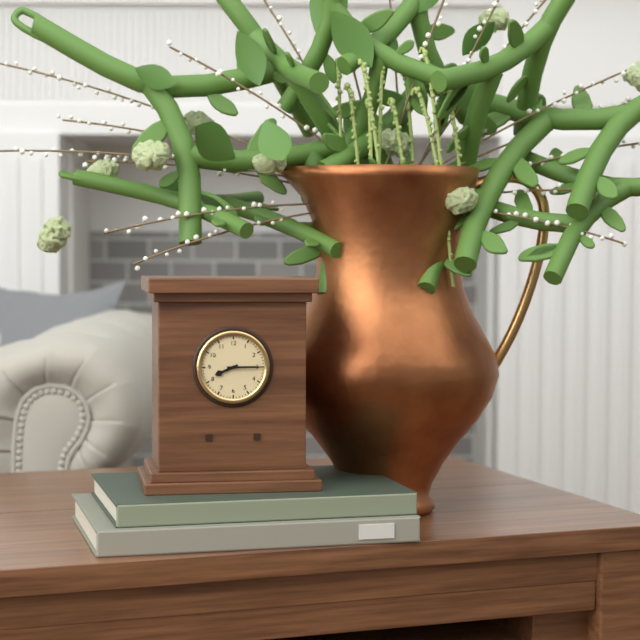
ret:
8:15
